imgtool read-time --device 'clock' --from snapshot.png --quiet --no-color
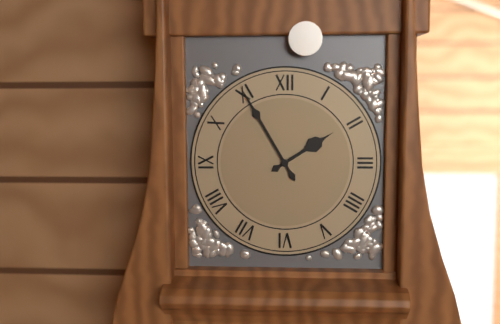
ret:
1:55
